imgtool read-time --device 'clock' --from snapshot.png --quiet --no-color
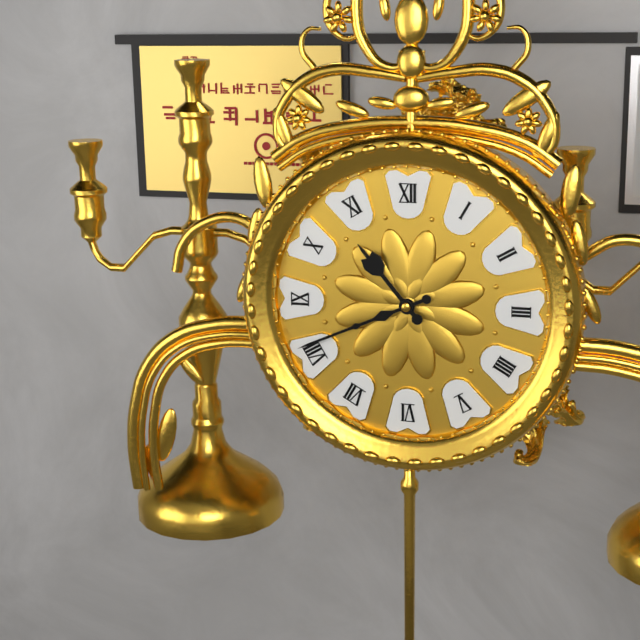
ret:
10:41
